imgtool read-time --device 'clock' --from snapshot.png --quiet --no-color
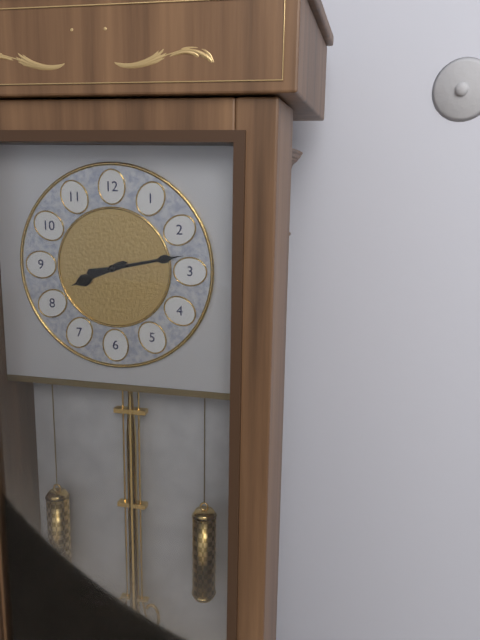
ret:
8:13
